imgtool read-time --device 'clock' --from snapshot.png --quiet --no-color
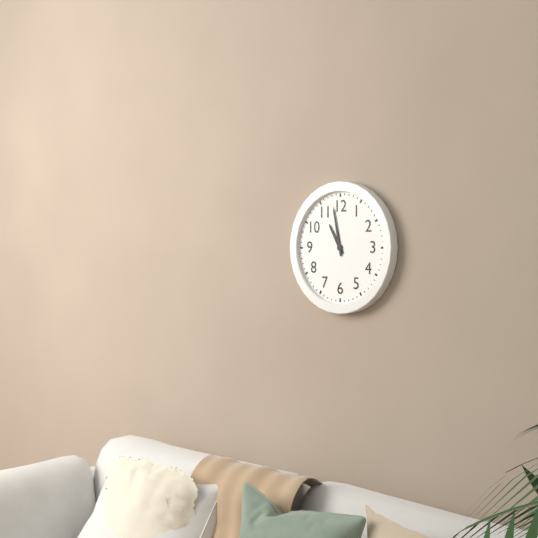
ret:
10:58
